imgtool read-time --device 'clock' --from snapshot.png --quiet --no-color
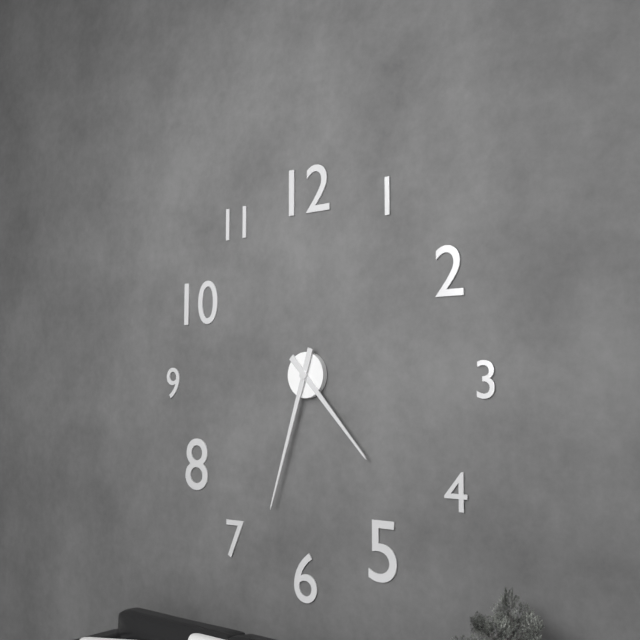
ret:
4:33
